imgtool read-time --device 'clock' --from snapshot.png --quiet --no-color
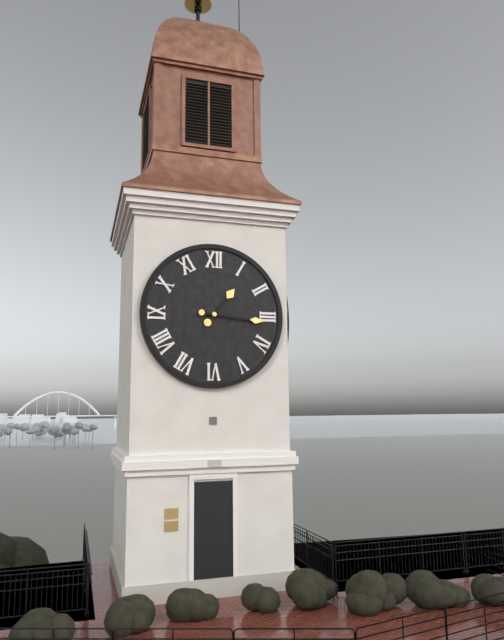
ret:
1:16
